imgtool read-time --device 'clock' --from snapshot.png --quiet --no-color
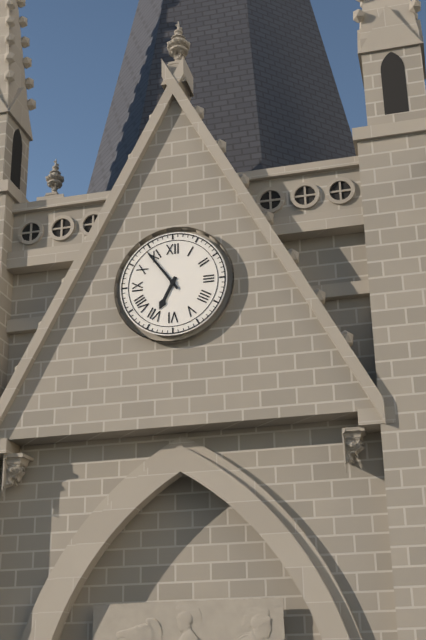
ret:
6:54
